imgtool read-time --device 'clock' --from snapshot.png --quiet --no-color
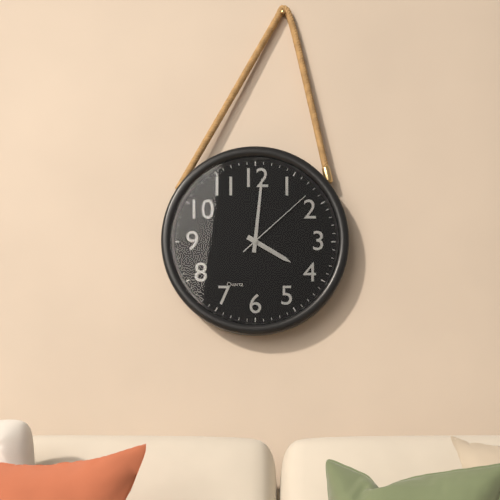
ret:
4:01:08
